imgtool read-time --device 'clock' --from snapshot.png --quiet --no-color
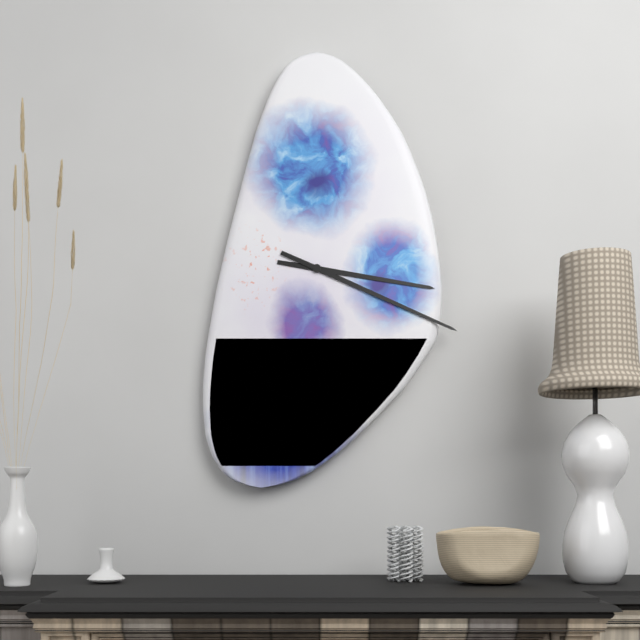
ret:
3:19
